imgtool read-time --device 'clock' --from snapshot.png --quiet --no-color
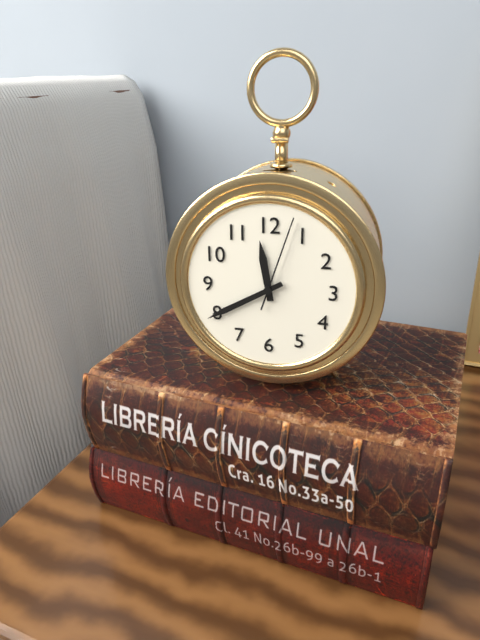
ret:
11:40:03
